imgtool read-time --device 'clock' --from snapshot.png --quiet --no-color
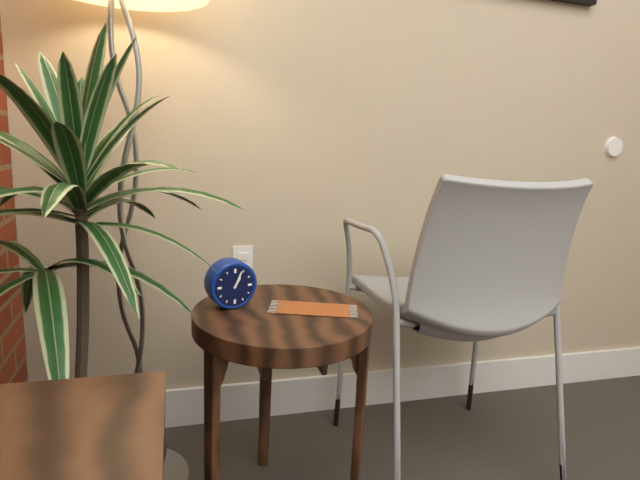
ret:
1:04
